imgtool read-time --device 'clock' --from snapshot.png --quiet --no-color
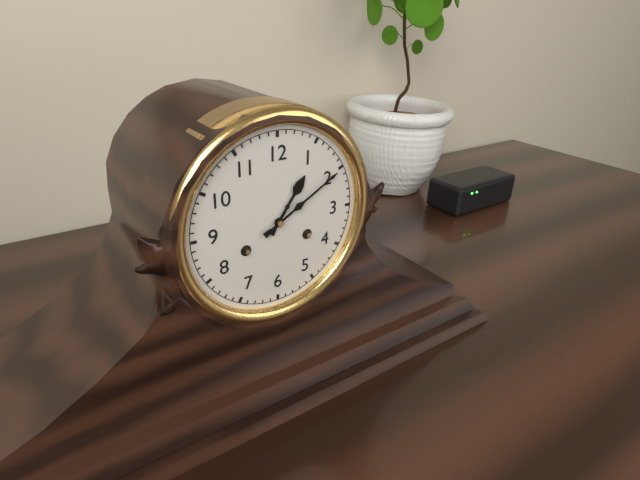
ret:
1:10
